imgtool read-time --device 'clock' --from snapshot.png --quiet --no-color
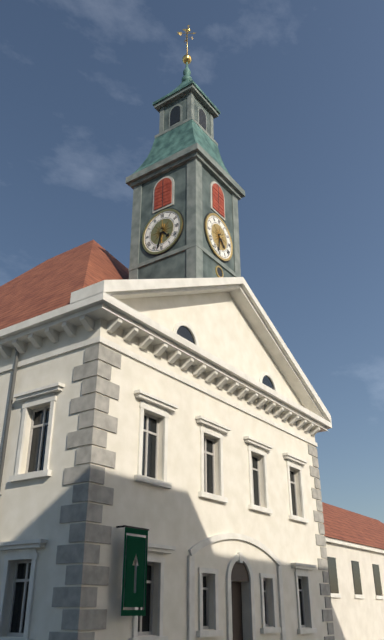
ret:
4:32
